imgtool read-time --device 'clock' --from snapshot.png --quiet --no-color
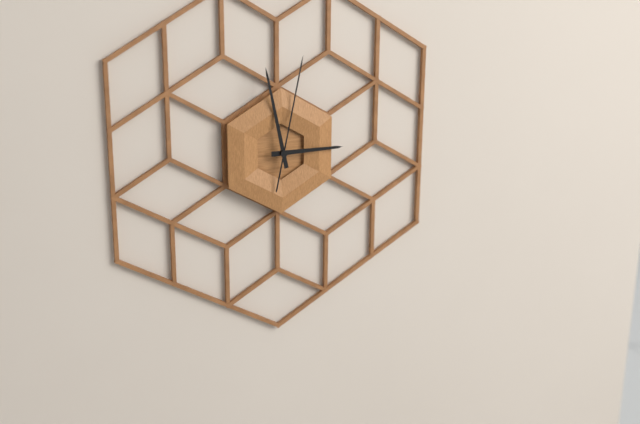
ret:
2:58:02
